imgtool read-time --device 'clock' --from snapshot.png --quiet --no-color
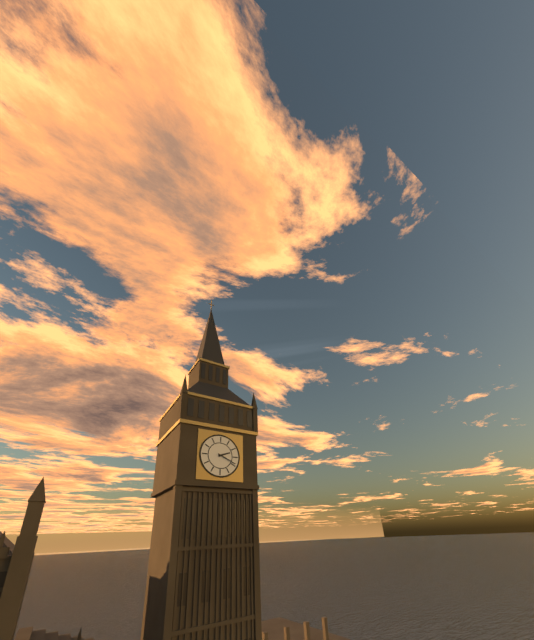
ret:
2:19
